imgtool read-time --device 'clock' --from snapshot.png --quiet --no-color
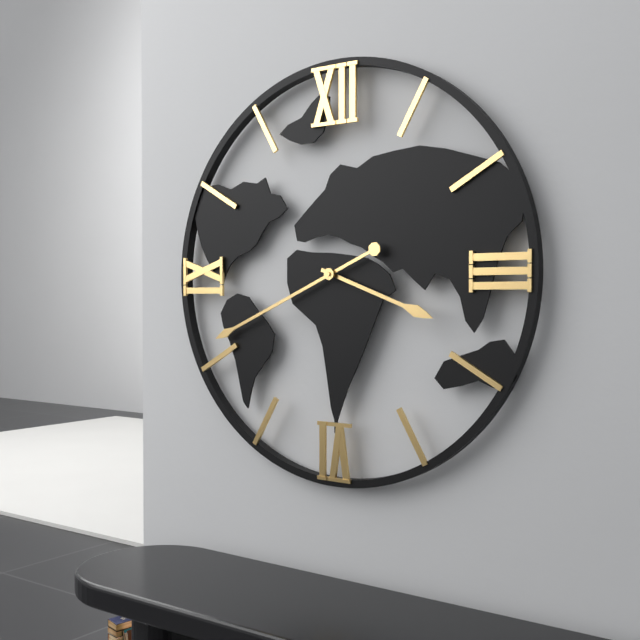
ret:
3:41
